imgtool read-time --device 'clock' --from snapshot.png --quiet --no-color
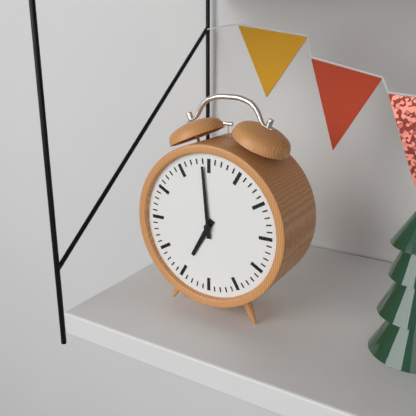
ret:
6:59
